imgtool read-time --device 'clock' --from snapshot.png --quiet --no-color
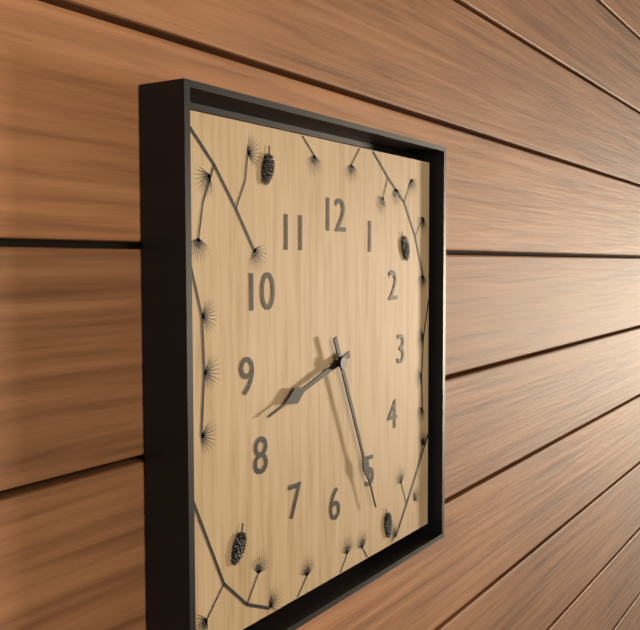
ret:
8:26
